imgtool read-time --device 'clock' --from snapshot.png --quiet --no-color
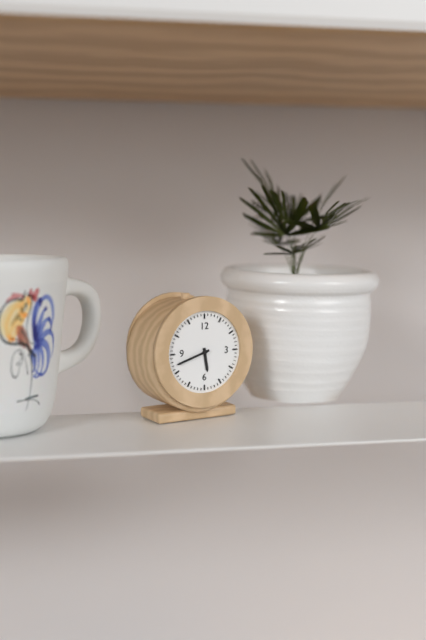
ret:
5:42
